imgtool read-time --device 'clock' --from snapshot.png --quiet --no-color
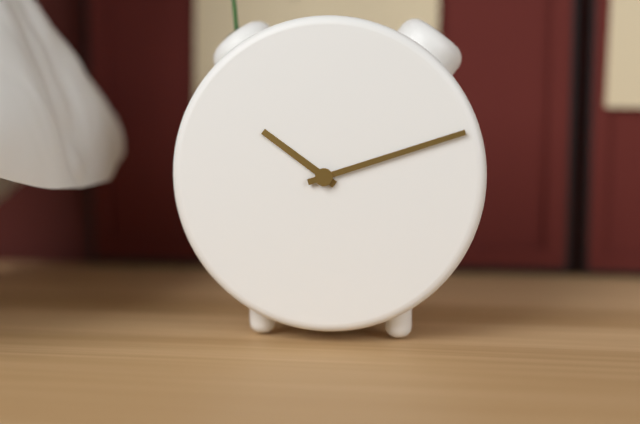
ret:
10:12
